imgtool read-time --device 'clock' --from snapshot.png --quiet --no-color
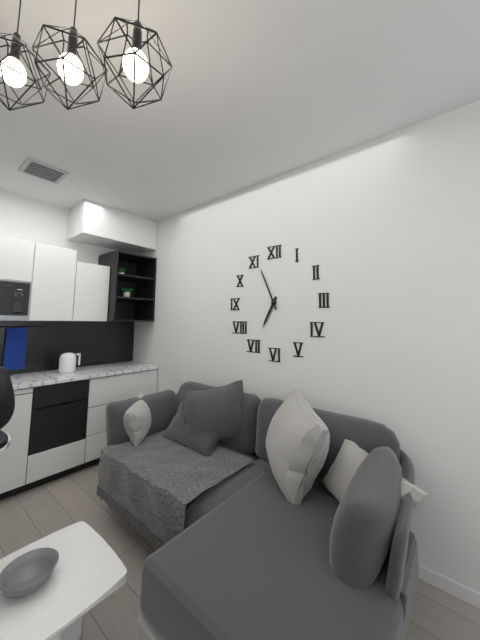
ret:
6:56
